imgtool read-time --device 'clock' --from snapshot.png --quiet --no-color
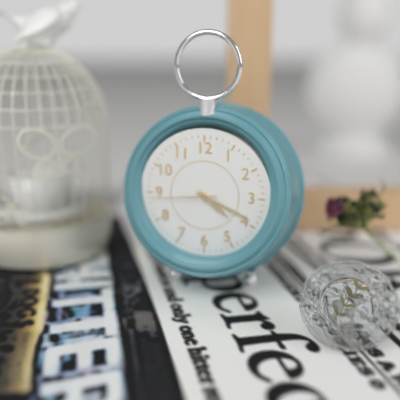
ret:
4:19:44
